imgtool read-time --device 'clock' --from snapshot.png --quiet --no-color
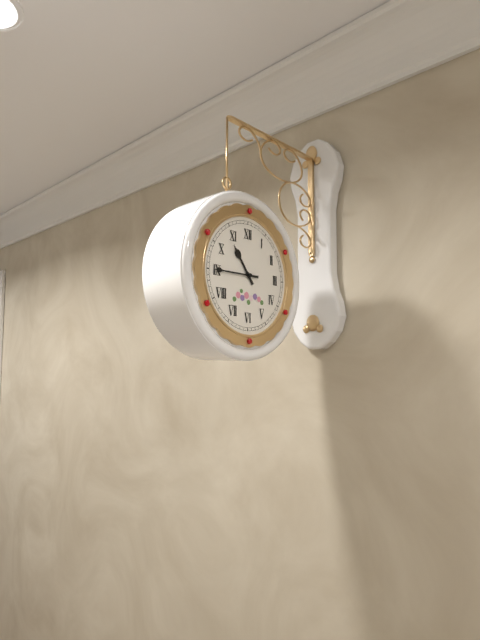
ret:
10:45
